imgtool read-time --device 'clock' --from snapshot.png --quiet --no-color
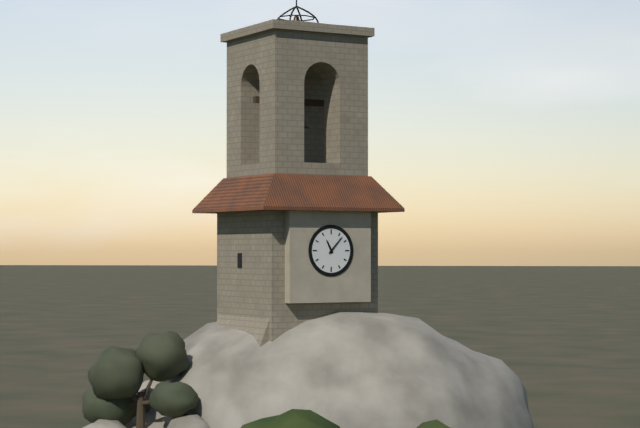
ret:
11:07
